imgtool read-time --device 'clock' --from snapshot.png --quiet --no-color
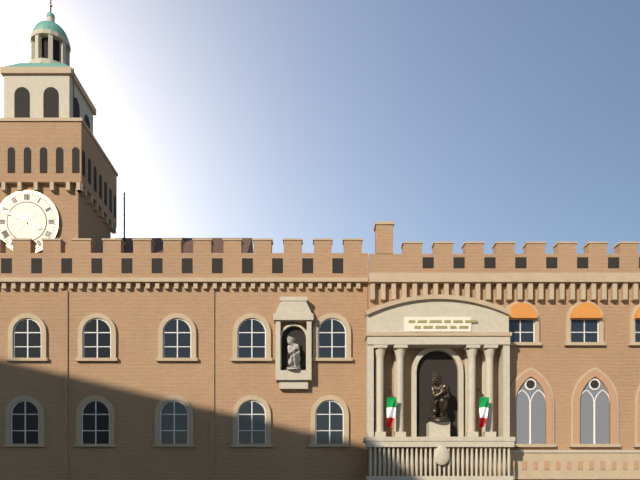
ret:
3:49
